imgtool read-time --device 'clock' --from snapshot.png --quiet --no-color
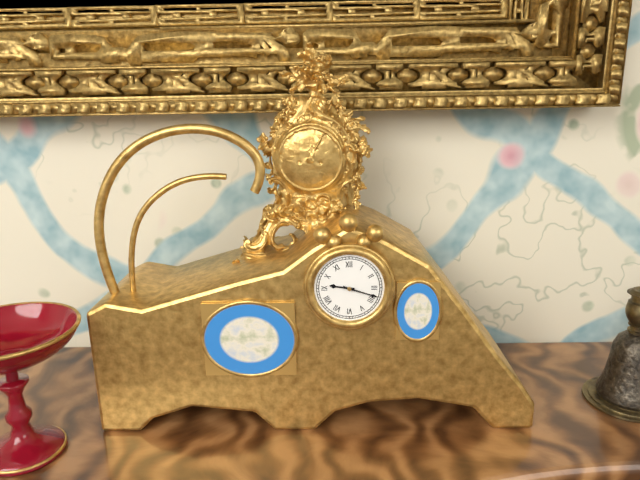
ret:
9:18
